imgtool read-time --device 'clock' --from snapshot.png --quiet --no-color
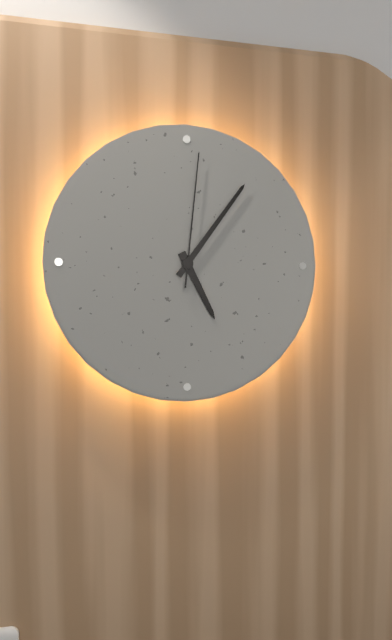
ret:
5:06:01
